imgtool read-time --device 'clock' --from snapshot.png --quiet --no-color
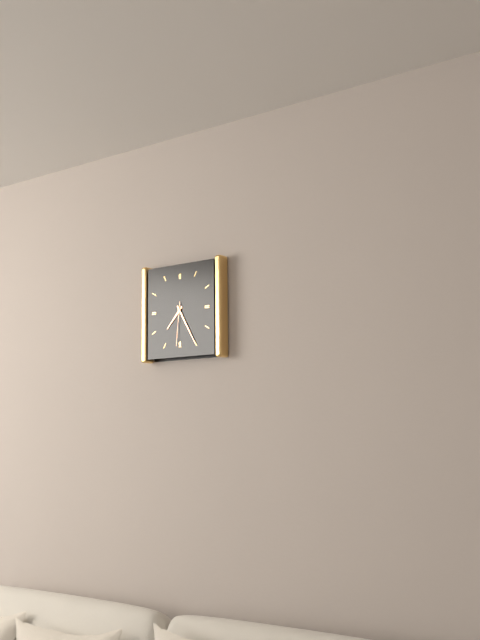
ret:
7:25
